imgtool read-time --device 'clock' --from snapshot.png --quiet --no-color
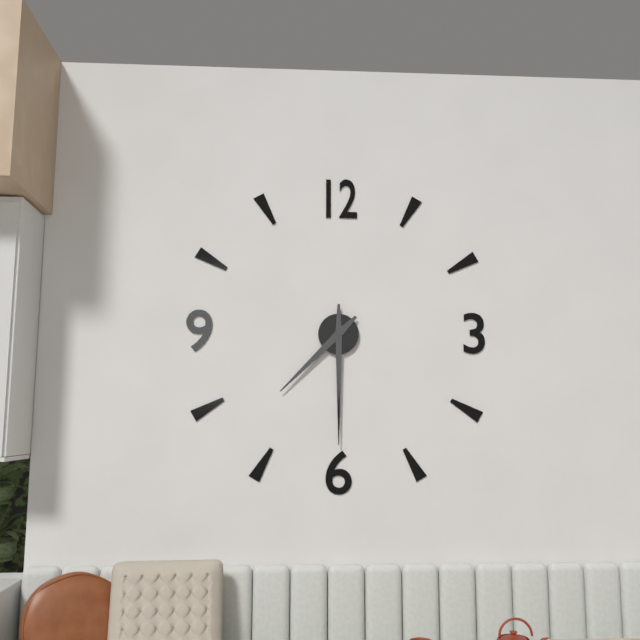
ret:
7:30
